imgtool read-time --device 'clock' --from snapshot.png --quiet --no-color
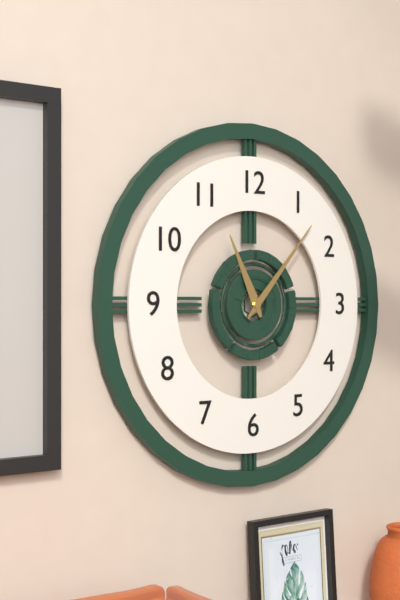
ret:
11:07
